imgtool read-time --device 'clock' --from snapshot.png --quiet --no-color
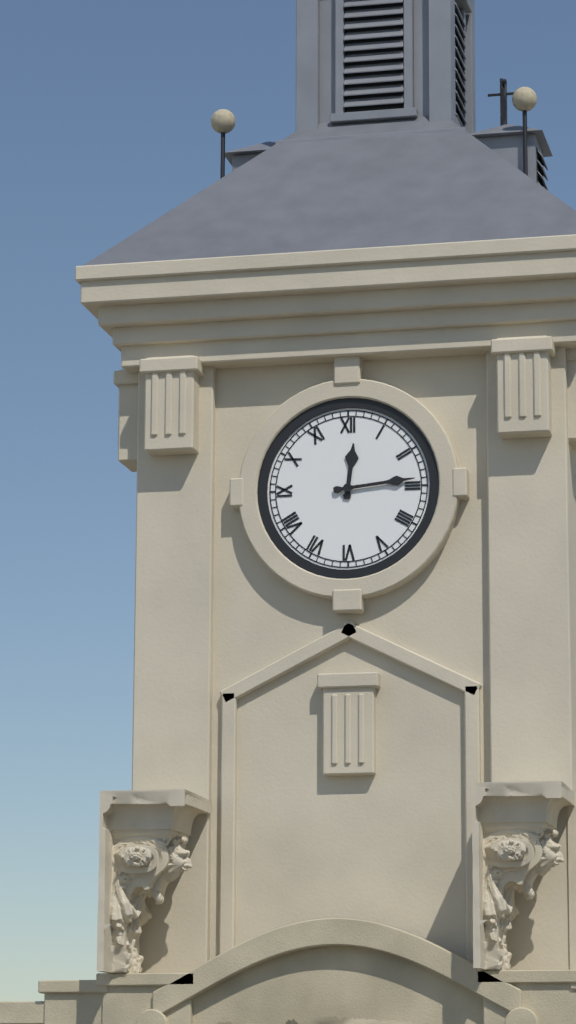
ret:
12:14
